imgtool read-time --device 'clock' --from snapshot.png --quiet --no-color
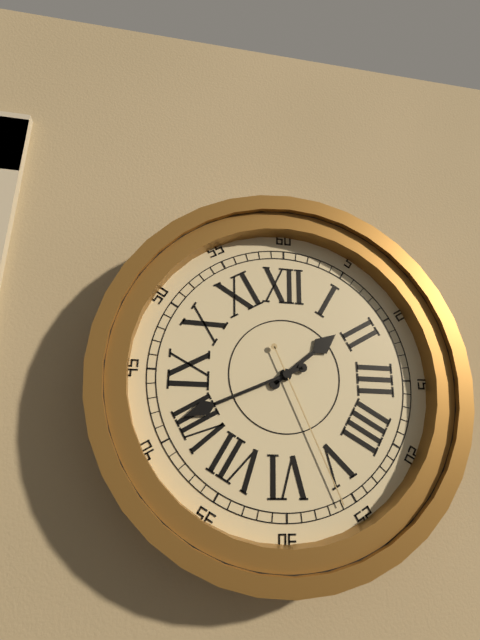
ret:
1:41:26
